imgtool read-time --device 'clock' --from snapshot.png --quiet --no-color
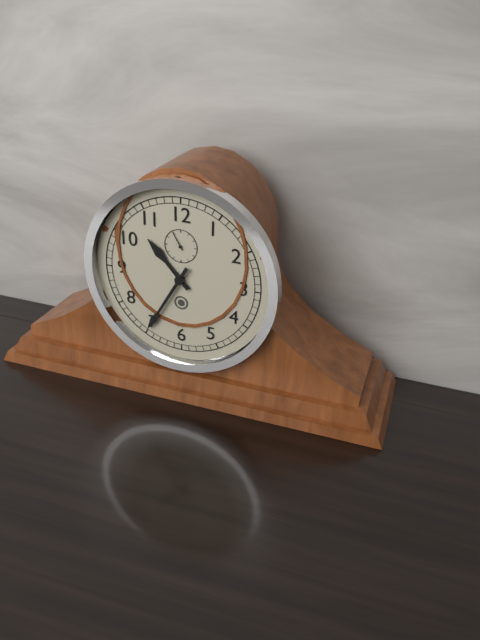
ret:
10:35
